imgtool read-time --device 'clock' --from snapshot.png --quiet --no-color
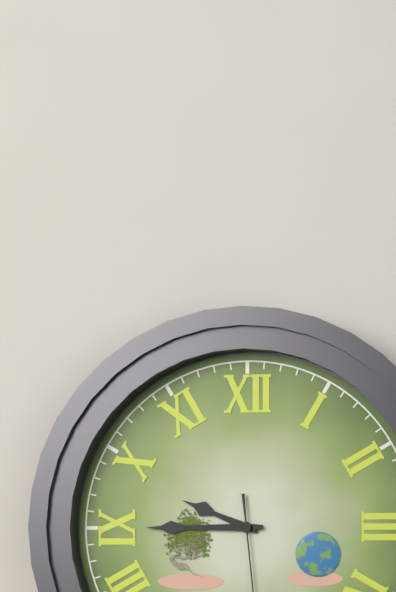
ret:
9:45
